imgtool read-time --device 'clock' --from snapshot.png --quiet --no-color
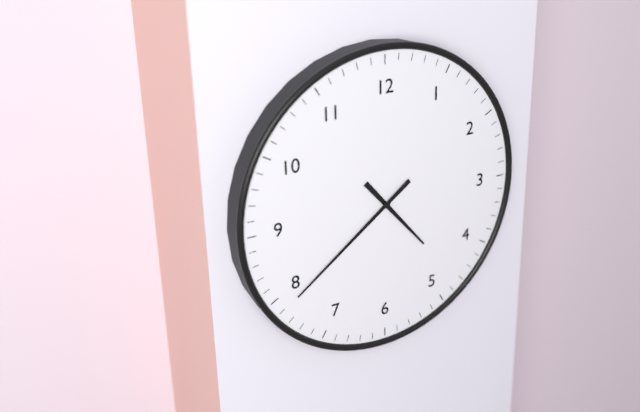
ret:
4:39
